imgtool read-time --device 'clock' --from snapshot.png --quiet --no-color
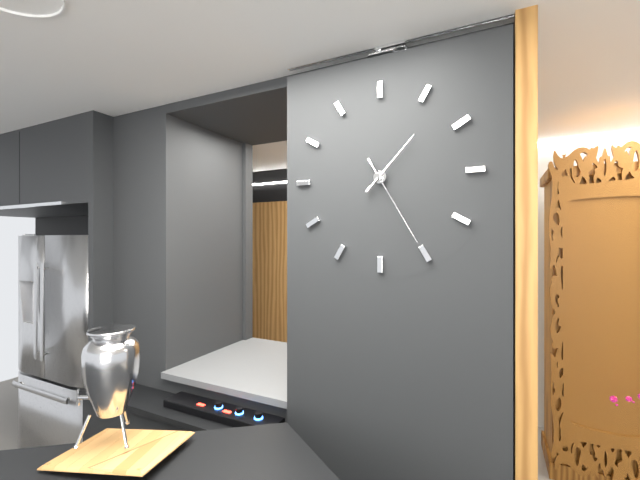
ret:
1:25
